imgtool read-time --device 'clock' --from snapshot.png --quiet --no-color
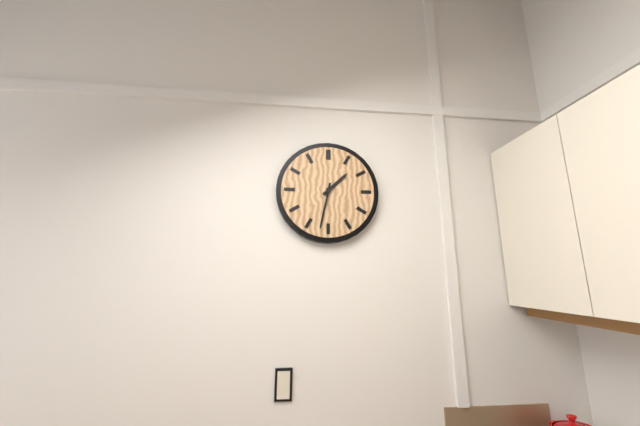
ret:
1:32
